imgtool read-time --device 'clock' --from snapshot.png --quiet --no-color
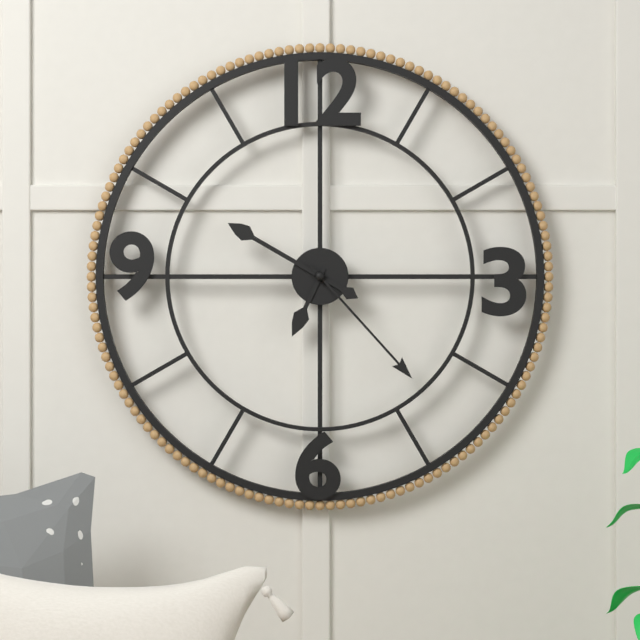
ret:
6:50:23
